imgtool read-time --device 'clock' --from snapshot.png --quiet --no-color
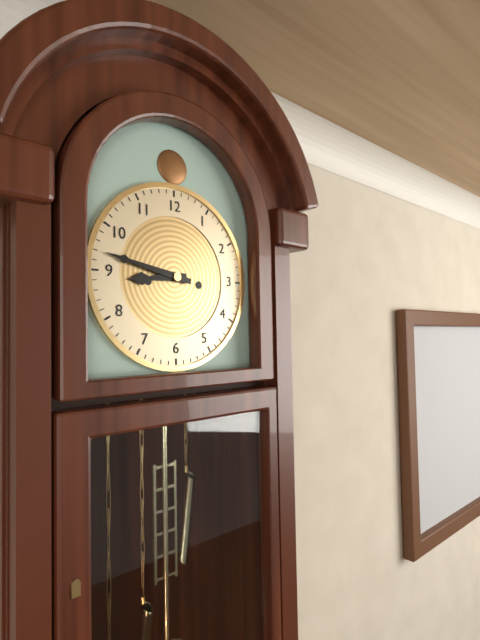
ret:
8:47
